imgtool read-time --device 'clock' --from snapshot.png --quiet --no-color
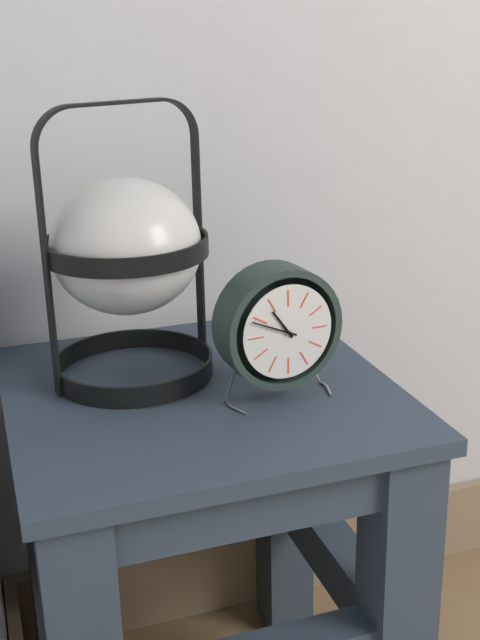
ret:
10:49
